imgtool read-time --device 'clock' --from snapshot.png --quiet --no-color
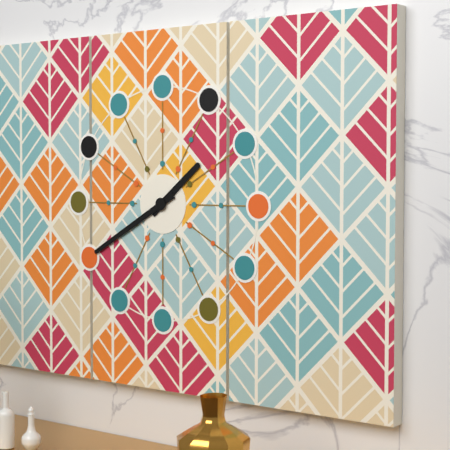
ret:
1:40
